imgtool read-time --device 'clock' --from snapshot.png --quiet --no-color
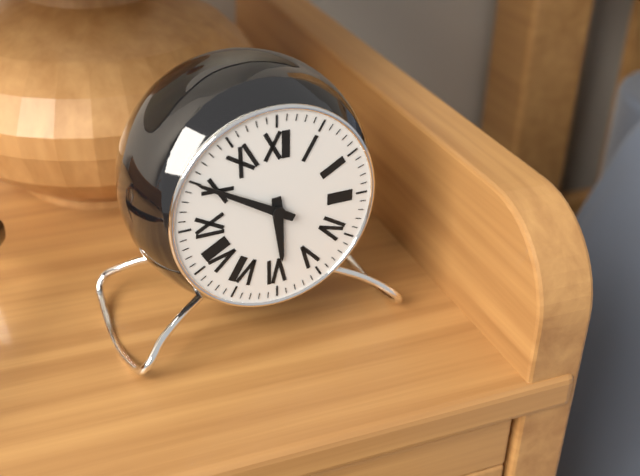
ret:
5:50
